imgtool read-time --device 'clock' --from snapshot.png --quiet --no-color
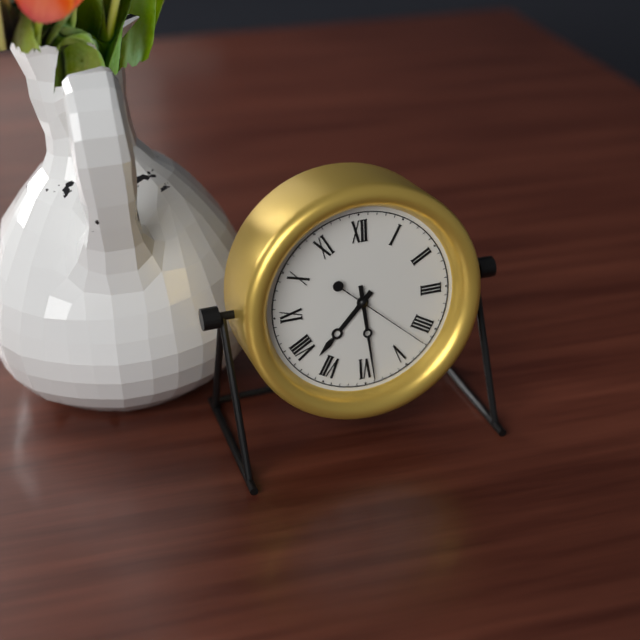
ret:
7:29:22
